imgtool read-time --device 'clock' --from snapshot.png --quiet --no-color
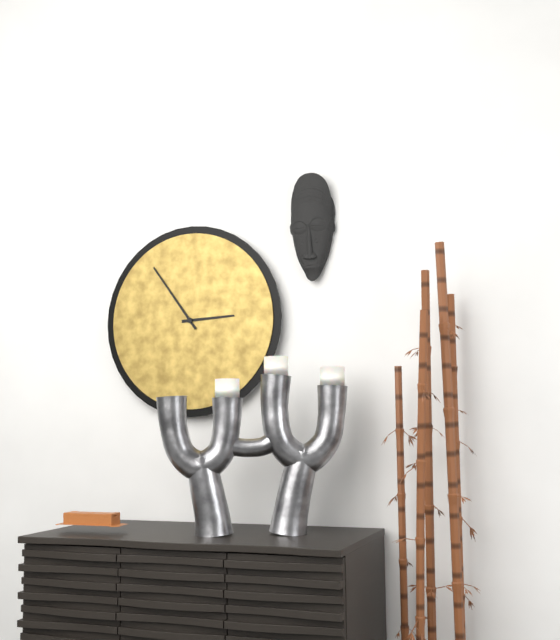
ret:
2:54
